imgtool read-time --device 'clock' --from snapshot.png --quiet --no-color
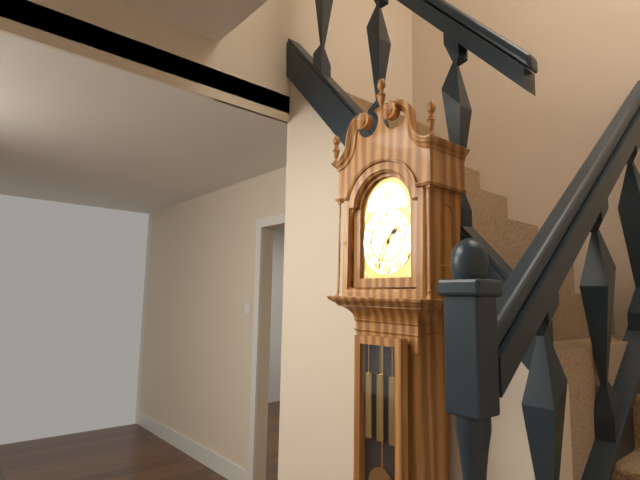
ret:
1:34
